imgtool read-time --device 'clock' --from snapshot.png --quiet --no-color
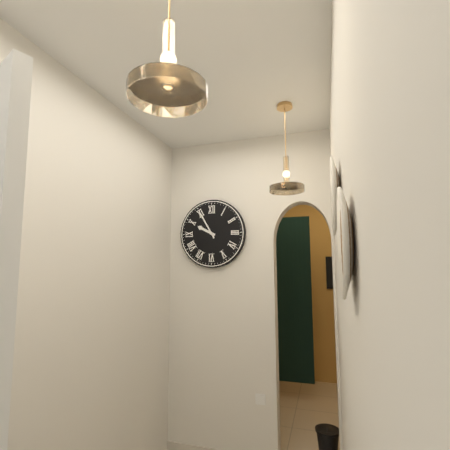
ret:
9:55
